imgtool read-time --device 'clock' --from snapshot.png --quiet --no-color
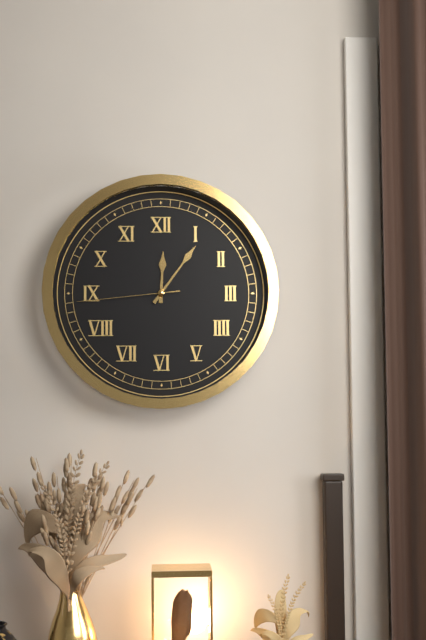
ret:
12:06:44
